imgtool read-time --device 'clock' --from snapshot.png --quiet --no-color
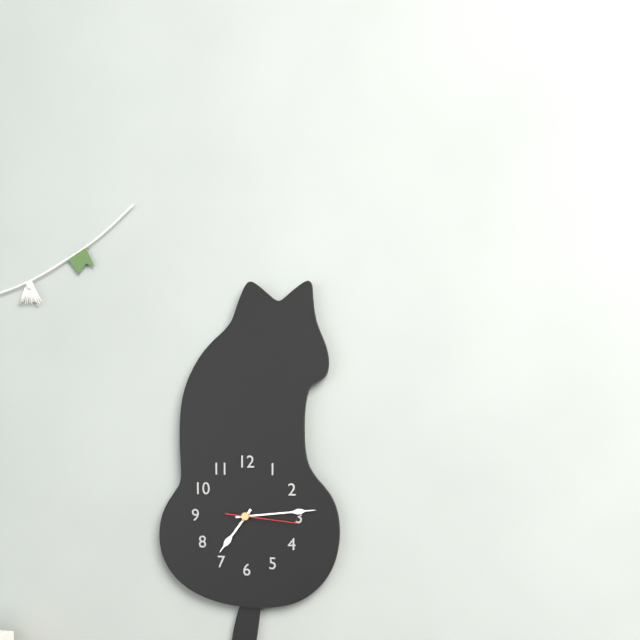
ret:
7:14:16
